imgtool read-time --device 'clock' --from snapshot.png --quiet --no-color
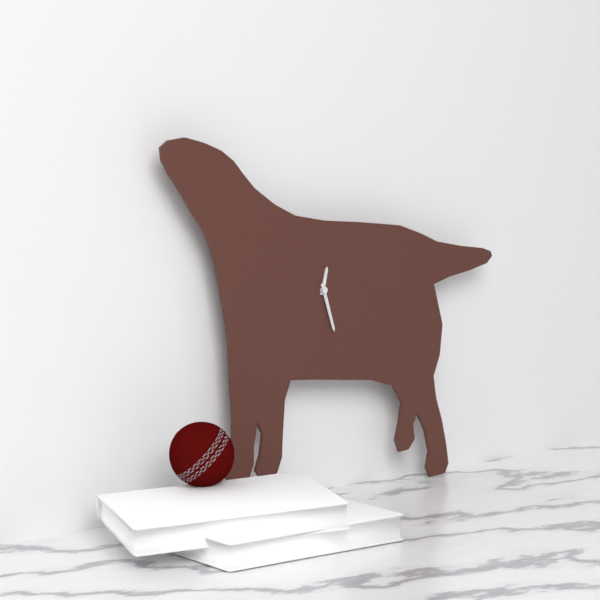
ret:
12:27
